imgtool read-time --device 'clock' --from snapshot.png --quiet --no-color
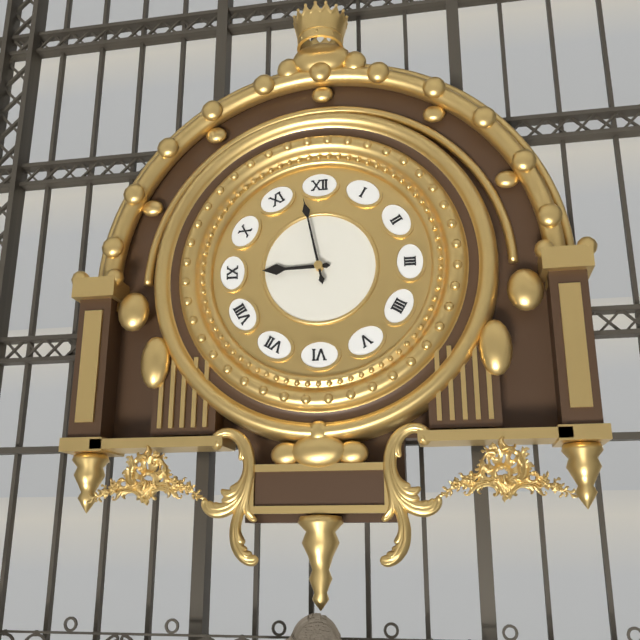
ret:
8:58
